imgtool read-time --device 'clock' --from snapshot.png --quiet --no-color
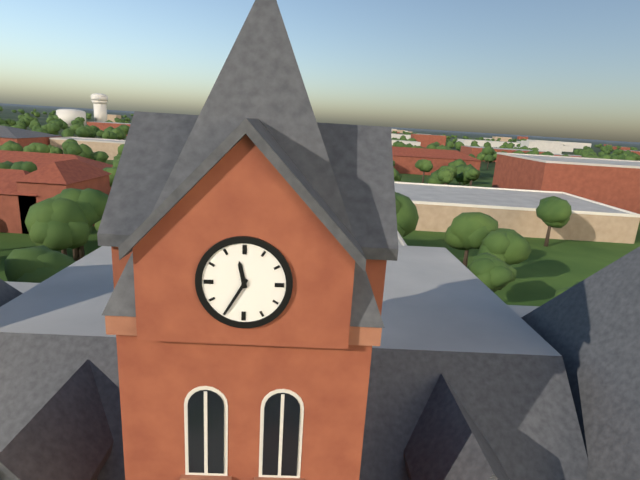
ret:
11:35
